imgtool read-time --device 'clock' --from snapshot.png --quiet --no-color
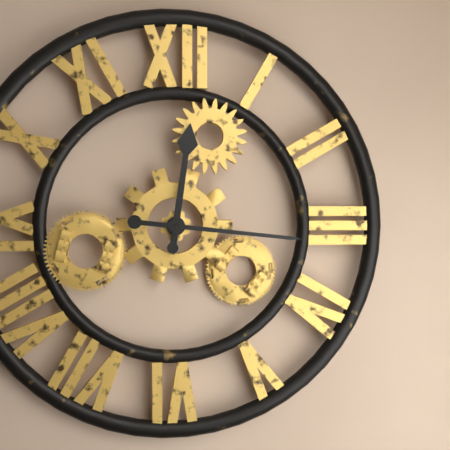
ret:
12:16
